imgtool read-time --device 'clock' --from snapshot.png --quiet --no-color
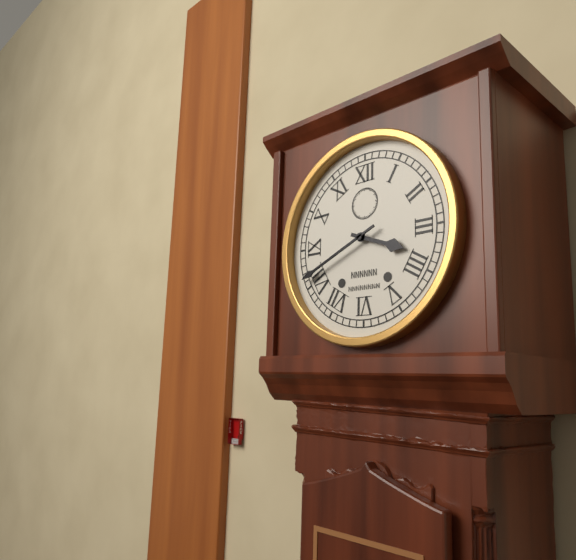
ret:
3:41
